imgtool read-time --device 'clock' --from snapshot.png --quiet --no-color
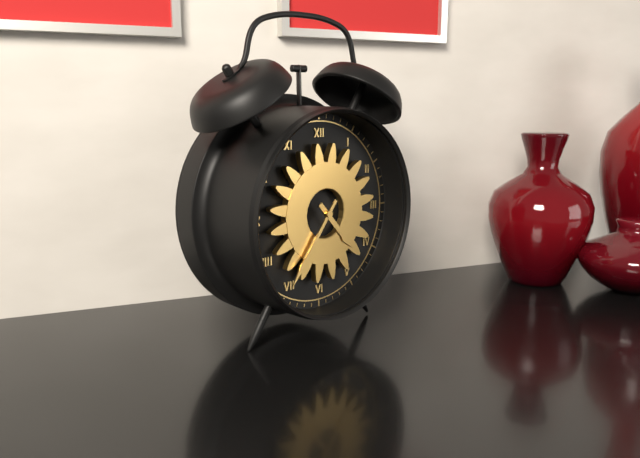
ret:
4:36
